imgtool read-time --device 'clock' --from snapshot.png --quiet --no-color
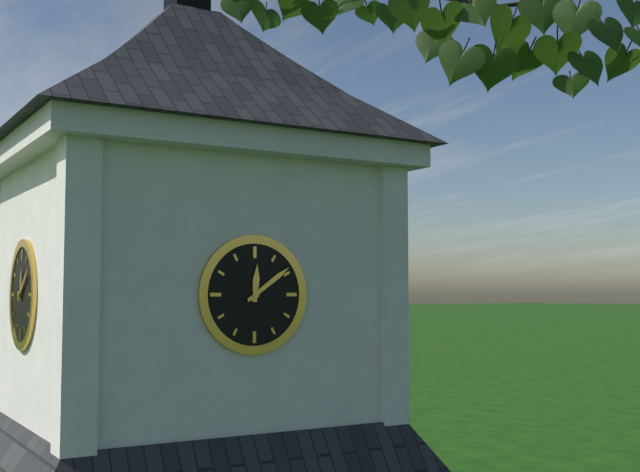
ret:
12:09
